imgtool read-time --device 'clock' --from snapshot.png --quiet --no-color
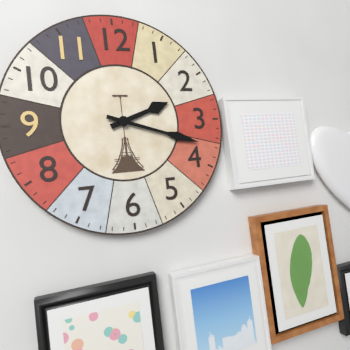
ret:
2:18
